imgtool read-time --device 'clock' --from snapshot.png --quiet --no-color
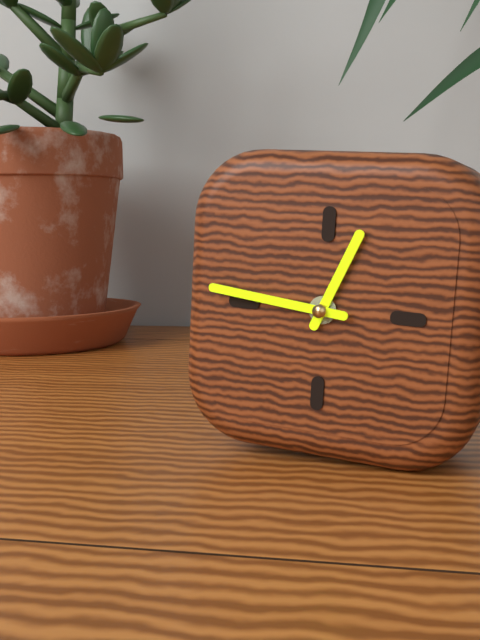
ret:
12:46
